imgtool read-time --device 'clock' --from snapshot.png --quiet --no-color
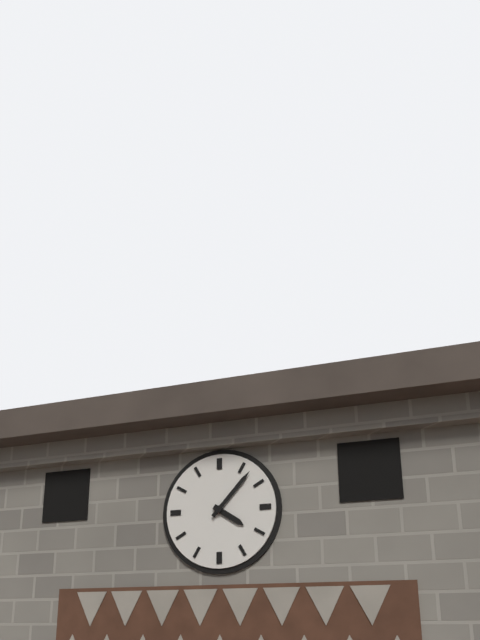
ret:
4:07
